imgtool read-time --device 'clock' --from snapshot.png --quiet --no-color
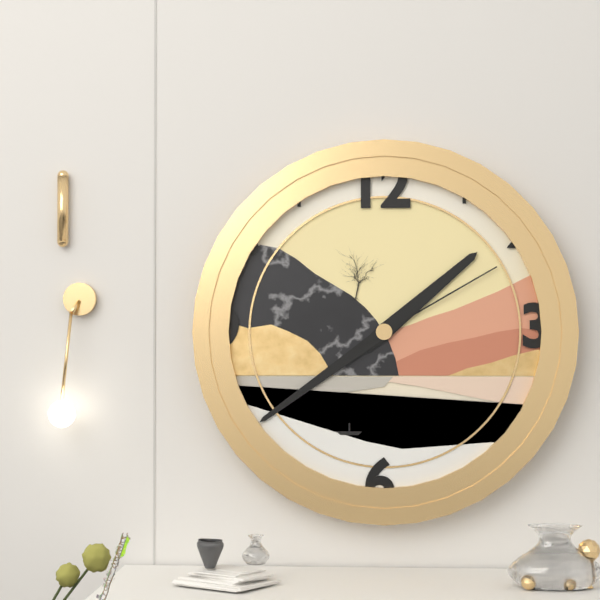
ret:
1:39:10
